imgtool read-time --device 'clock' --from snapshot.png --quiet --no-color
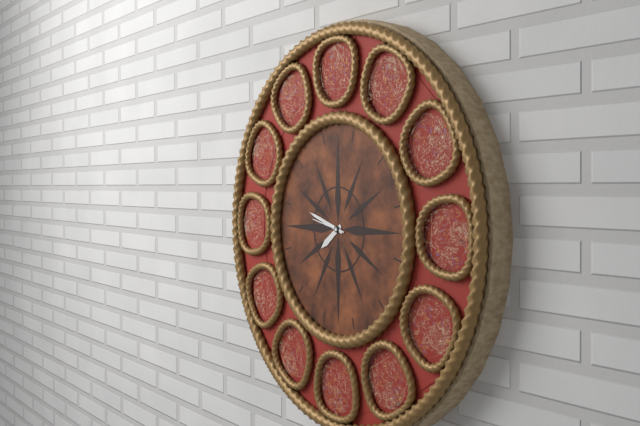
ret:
7:48
